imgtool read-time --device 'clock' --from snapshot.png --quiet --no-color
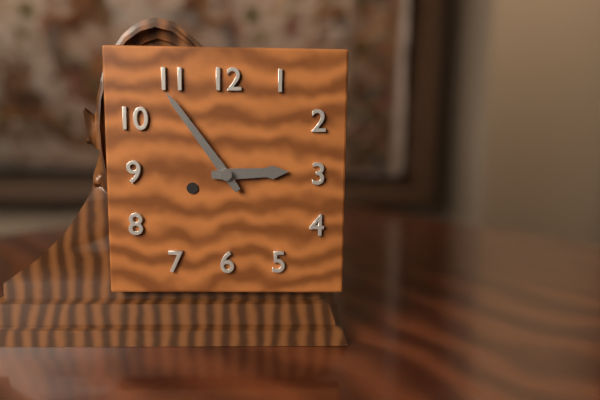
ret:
2:54
